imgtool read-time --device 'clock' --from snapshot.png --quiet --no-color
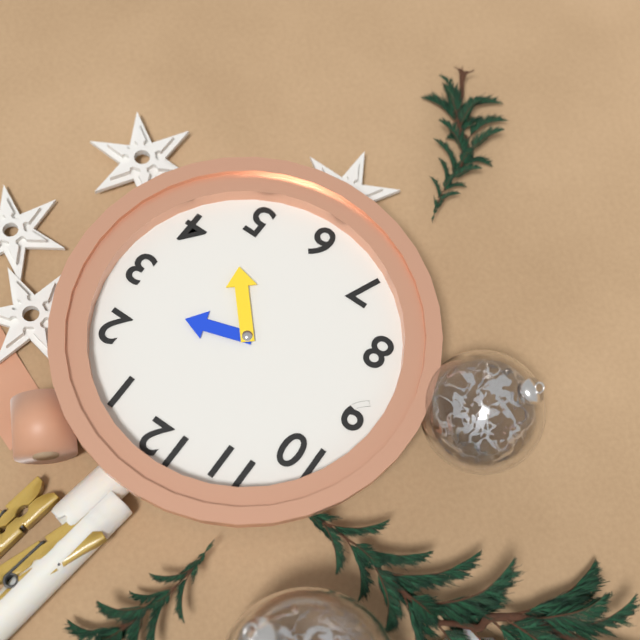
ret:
2:23
